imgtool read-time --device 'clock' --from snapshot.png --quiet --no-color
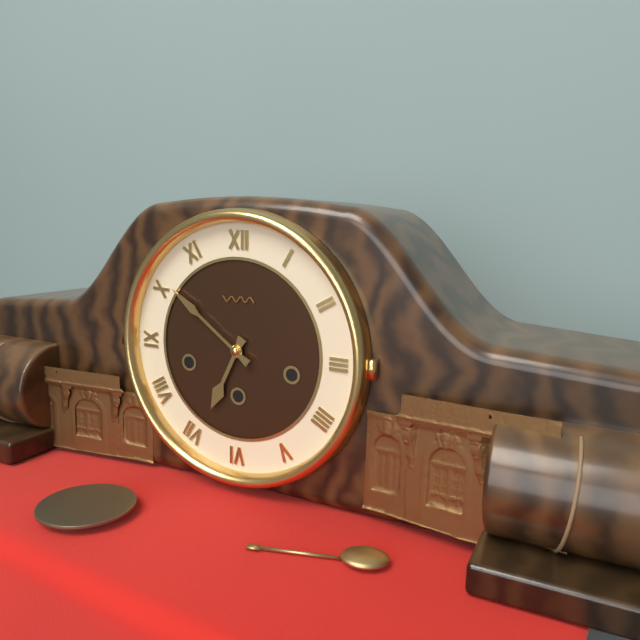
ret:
6:51
